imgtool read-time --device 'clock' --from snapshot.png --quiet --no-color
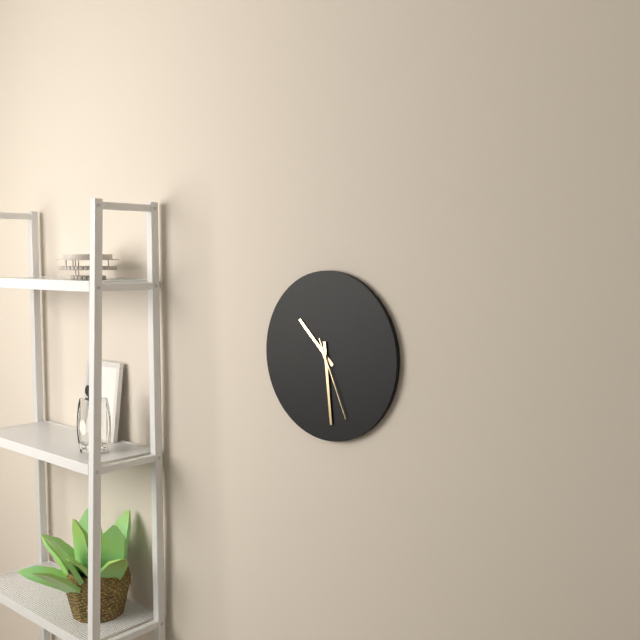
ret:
10:29:26
